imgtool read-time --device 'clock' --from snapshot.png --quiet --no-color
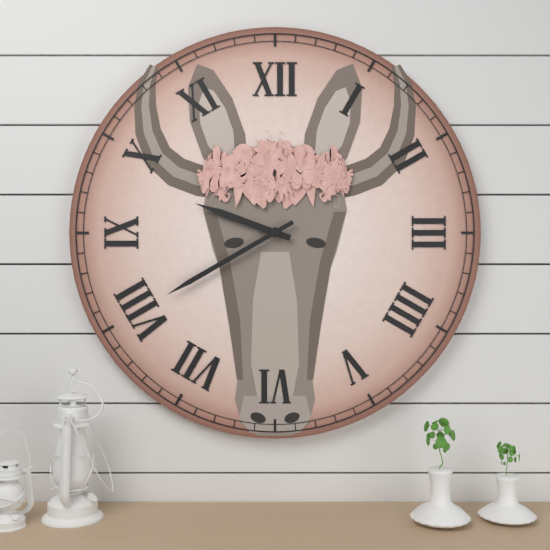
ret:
9:40
